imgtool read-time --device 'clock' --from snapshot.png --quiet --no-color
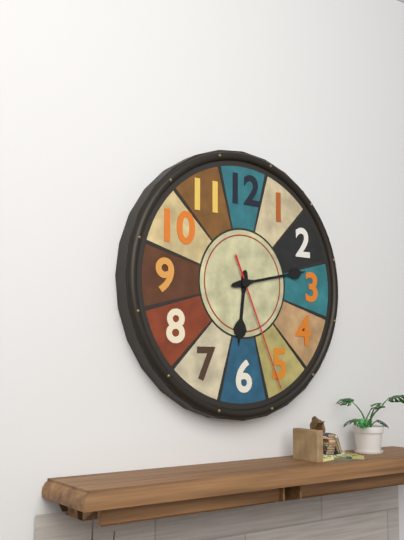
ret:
6:13:26
